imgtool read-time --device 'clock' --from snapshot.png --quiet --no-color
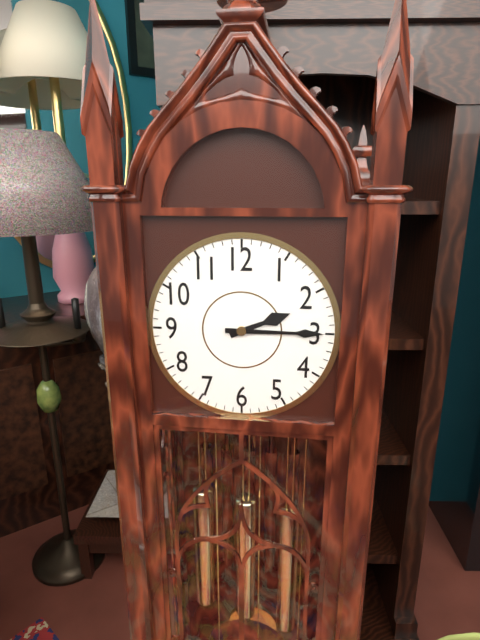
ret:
2:15
